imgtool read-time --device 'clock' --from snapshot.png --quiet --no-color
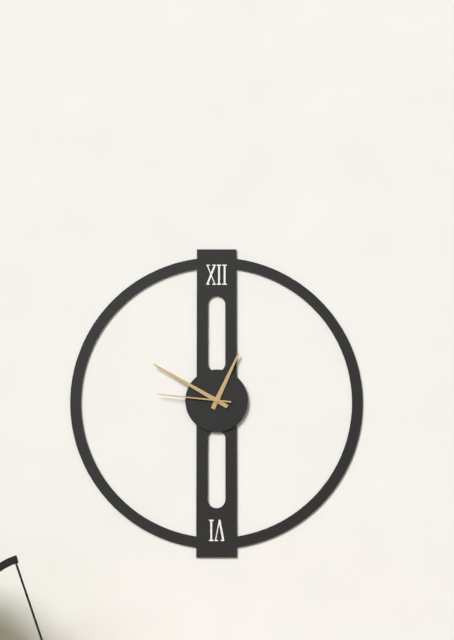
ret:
12:50:46
